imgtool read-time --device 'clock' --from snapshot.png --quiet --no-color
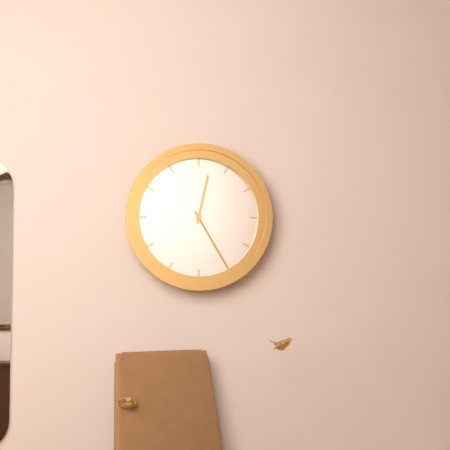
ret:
12:25
